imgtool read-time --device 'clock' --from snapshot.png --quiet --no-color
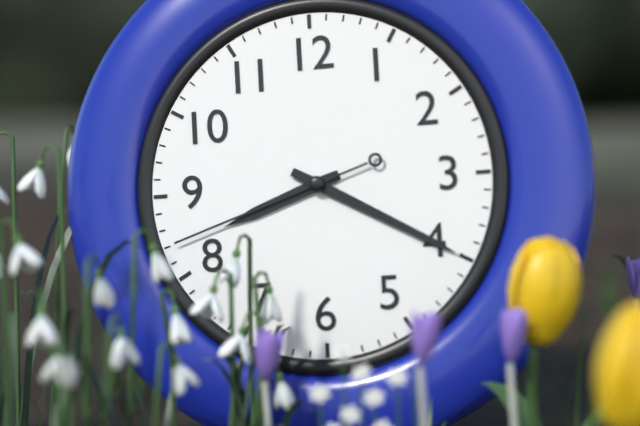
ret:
8:20:42
